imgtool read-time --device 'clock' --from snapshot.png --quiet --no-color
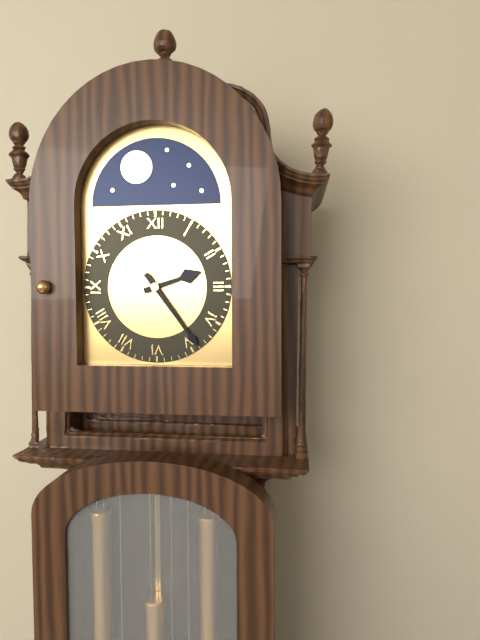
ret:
2:24
